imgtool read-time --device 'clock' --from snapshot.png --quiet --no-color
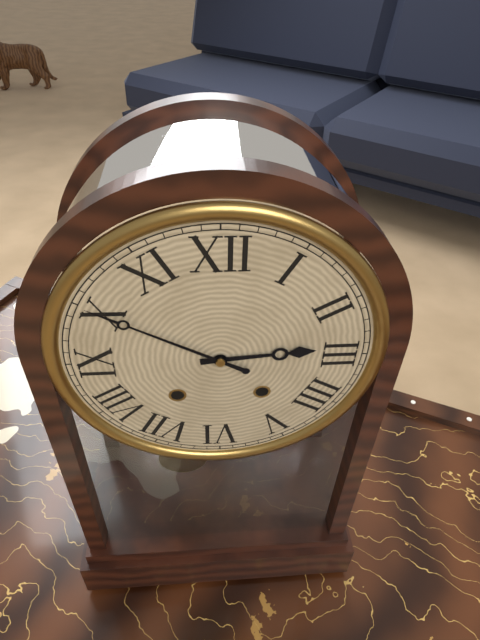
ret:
2:50
